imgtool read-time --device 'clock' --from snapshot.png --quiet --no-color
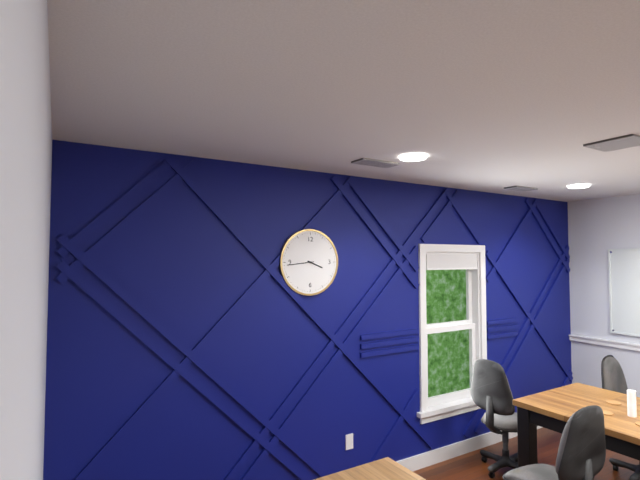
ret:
3:44
